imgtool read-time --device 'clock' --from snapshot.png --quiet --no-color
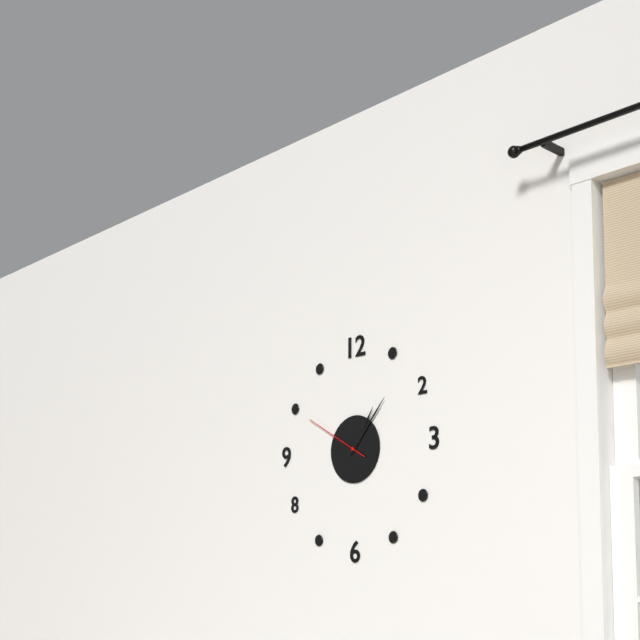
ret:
1:07:50
